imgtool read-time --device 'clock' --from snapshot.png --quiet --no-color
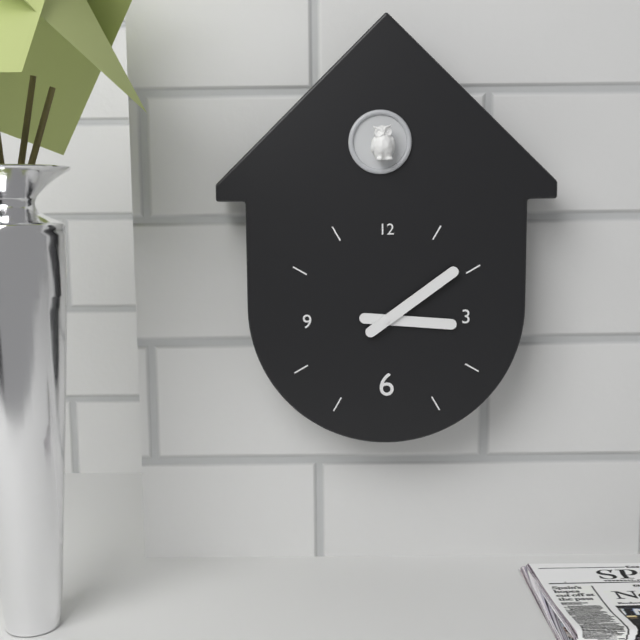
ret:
3:09
